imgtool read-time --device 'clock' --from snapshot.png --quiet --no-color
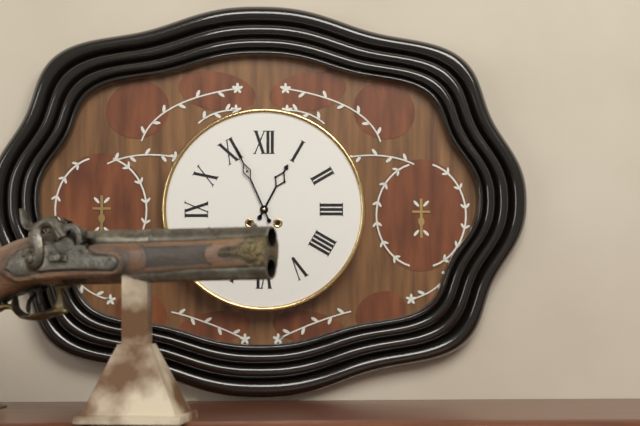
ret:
12:56
